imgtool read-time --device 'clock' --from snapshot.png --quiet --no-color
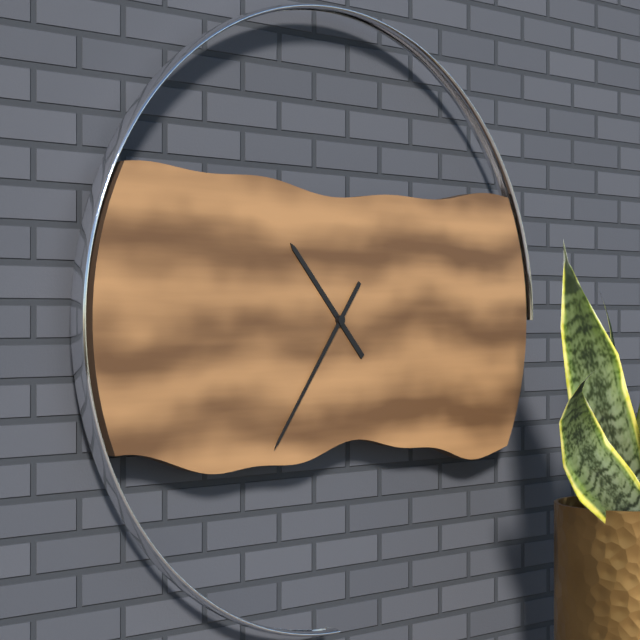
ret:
10:36
